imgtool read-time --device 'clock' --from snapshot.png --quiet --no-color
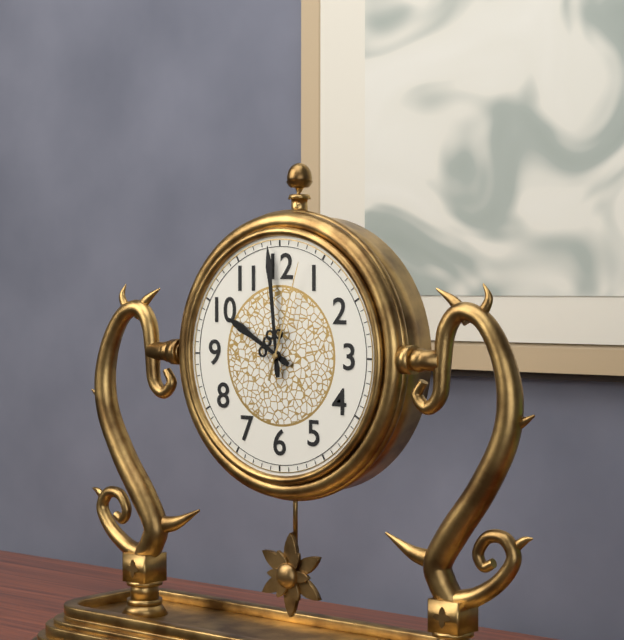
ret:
9:59:03
